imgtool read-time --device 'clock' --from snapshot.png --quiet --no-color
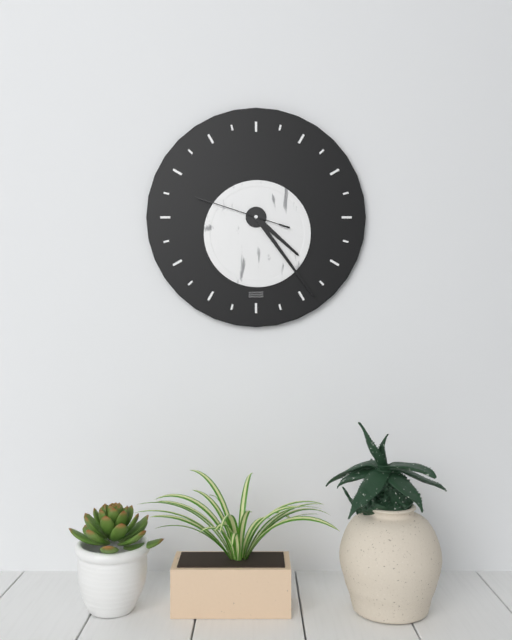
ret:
4:24:48
